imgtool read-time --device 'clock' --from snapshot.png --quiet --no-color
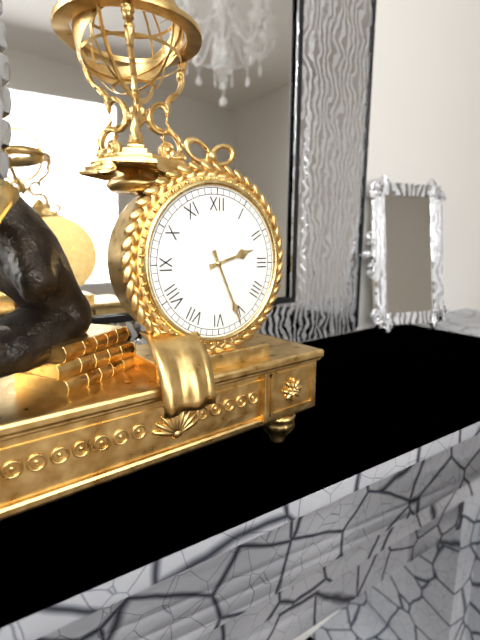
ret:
2:26
